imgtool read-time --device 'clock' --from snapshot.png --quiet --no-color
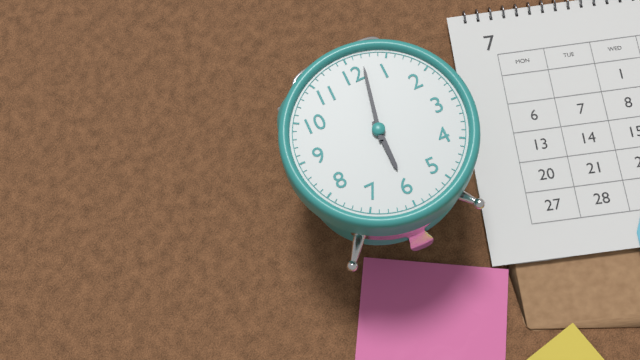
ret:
6:02
